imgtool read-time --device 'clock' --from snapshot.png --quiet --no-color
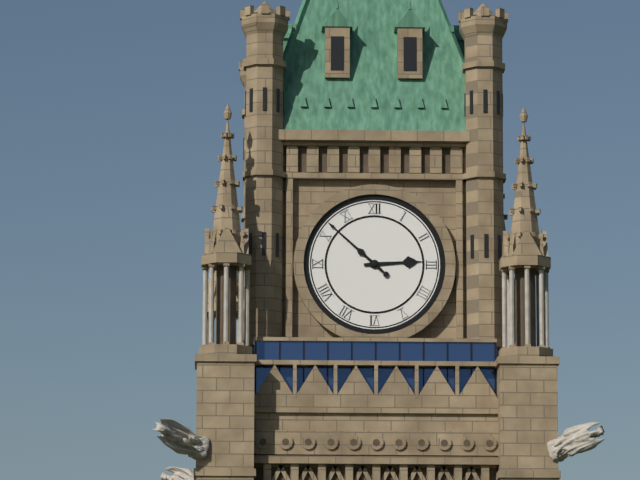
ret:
2:52
